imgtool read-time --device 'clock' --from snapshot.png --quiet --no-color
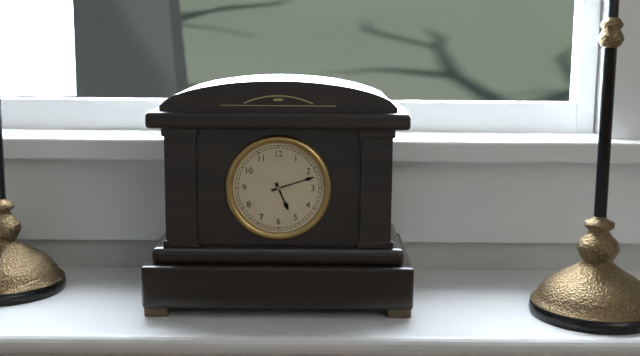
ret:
5:12
